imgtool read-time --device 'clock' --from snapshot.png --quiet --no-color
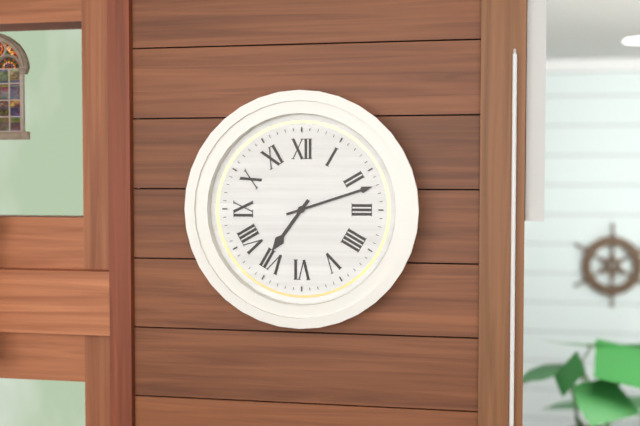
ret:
7:12
